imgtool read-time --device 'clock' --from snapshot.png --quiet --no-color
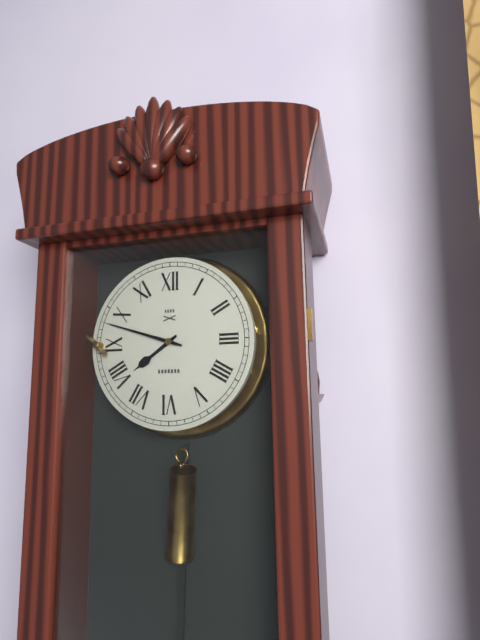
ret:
7:48
